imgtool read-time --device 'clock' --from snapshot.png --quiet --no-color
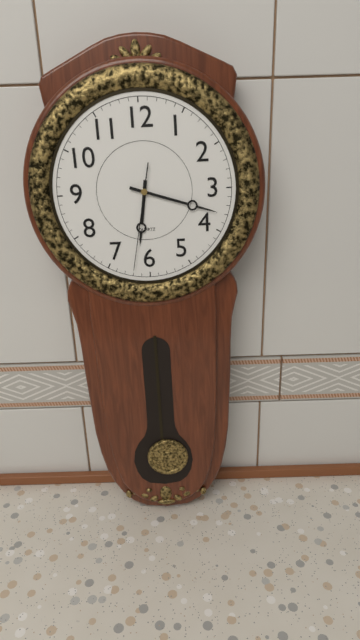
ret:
6:18:32
